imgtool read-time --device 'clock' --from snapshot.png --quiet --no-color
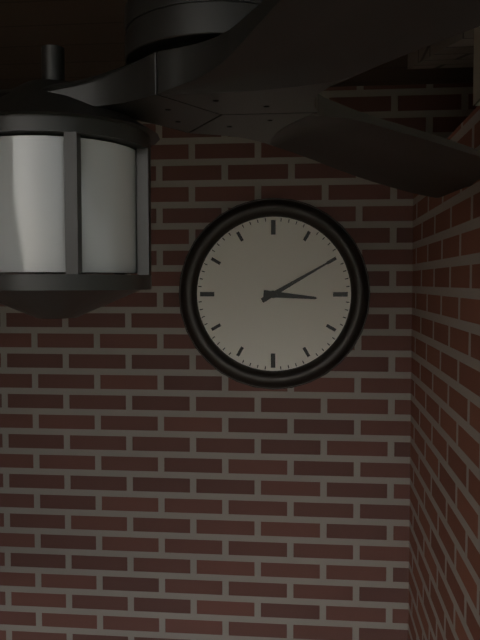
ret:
3:10
